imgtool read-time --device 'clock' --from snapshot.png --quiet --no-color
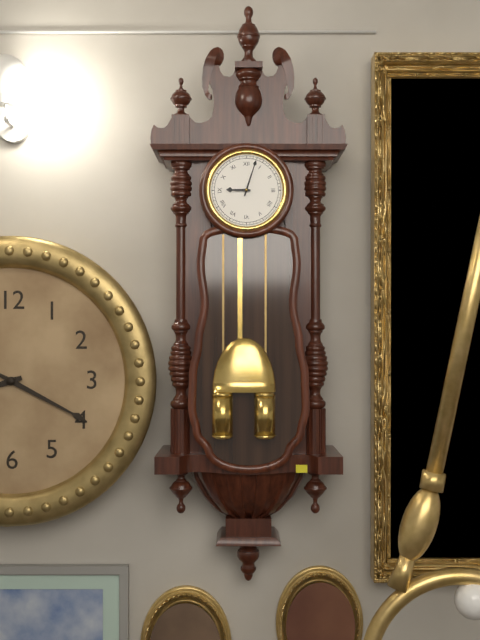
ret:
9:03
